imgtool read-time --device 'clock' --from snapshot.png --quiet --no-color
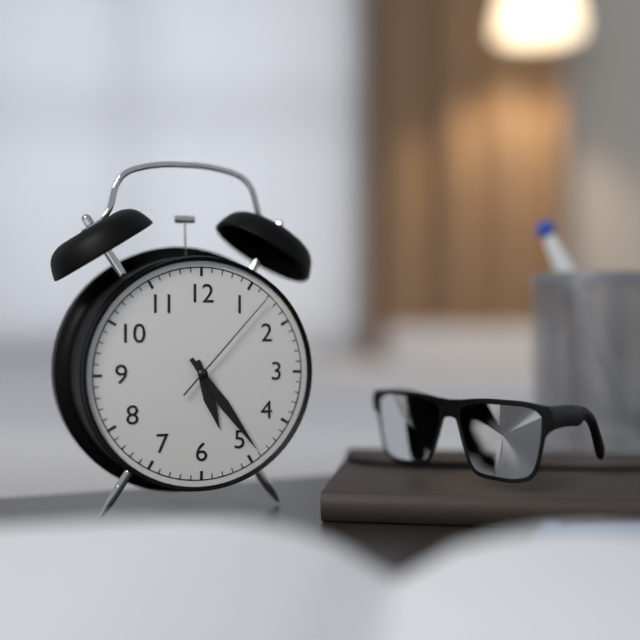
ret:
5:24:07
